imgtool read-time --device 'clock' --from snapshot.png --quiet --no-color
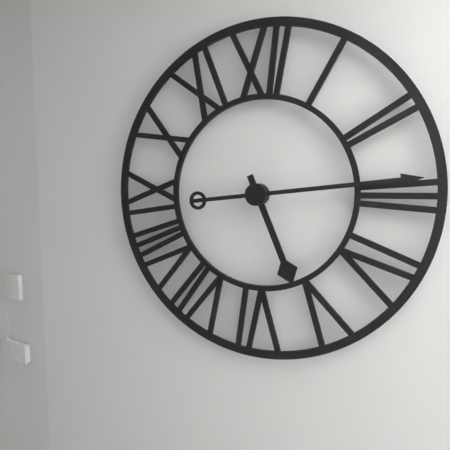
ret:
5:14
